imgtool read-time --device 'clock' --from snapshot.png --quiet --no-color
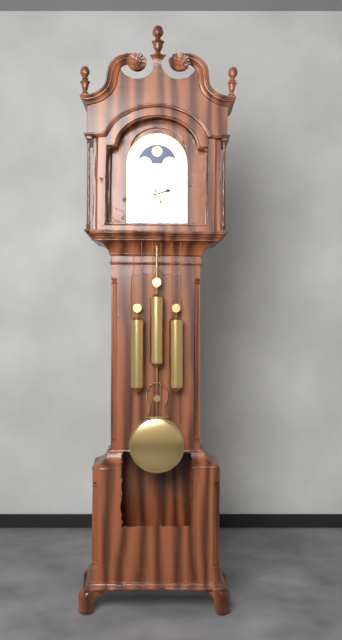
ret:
2:26
